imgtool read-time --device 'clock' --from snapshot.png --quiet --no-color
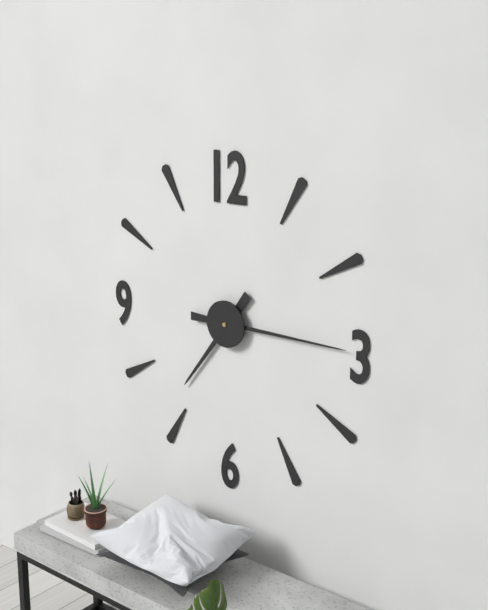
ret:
7:15
